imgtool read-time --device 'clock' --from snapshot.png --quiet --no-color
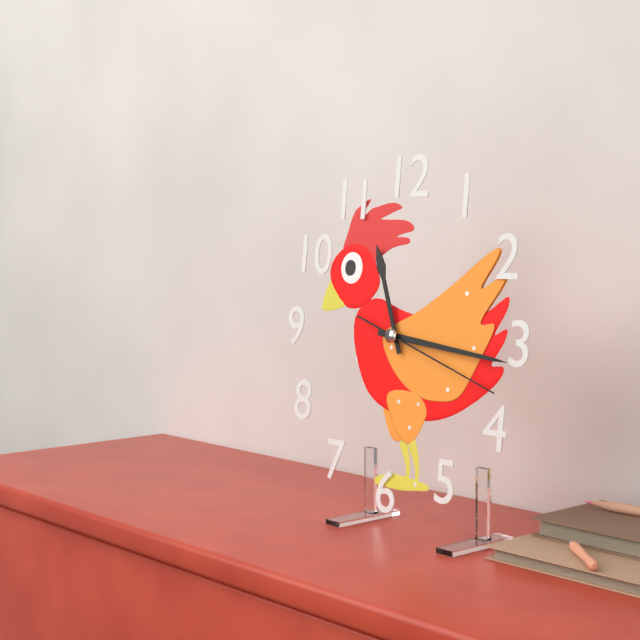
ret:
11:16:18
